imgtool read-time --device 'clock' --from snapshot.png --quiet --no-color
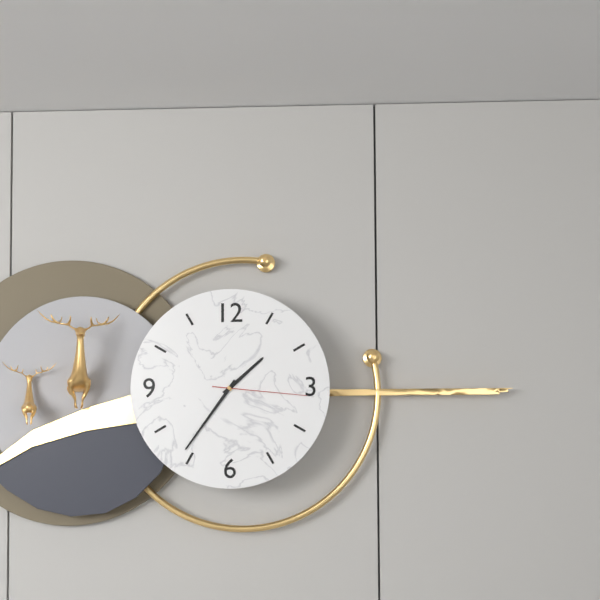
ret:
1:36:16
